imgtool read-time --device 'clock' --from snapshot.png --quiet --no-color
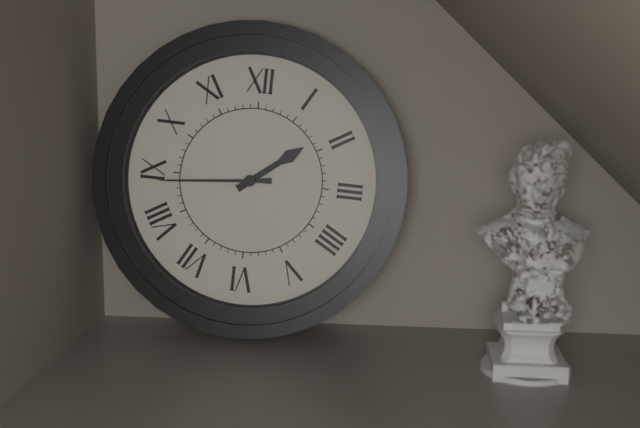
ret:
1:44
